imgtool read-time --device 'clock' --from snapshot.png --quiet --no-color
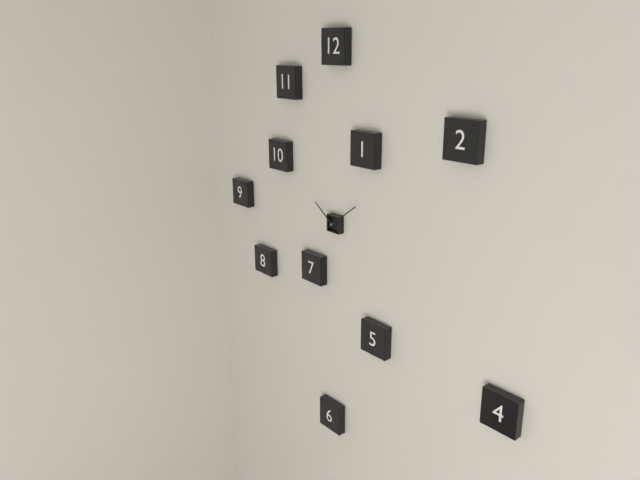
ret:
10:09
